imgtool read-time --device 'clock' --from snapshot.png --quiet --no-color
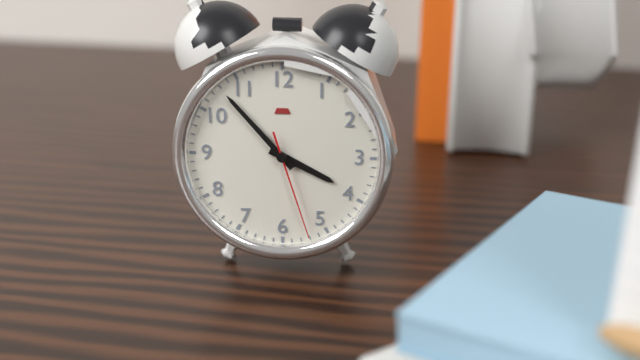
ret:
3:53:27
